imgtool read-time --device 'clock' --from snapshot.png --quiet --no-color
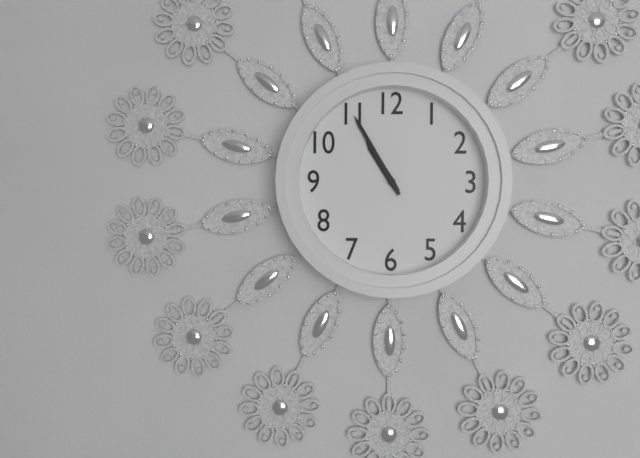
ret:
10:55
